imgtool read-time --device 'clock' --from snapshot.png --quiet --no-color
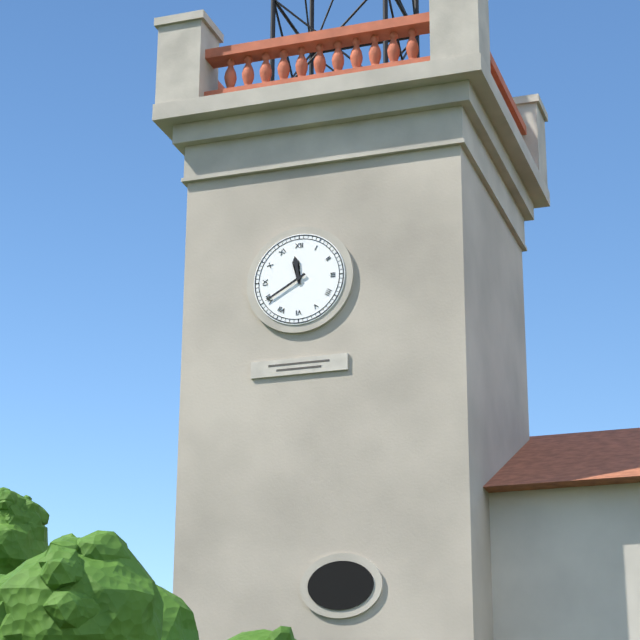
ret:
11:40
